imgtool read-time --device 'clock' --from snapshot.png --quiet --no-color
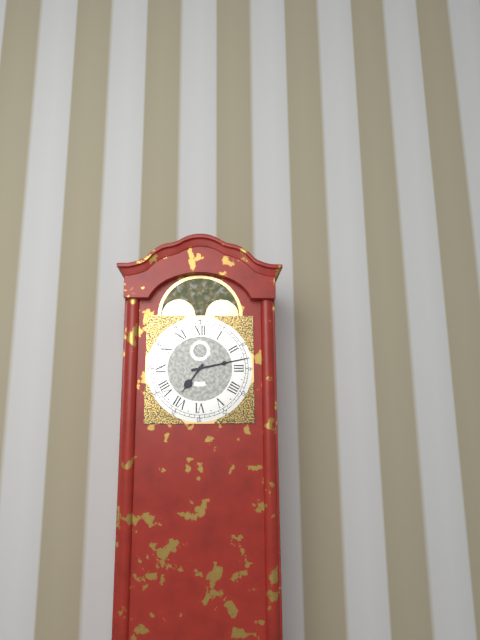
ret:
7:13
